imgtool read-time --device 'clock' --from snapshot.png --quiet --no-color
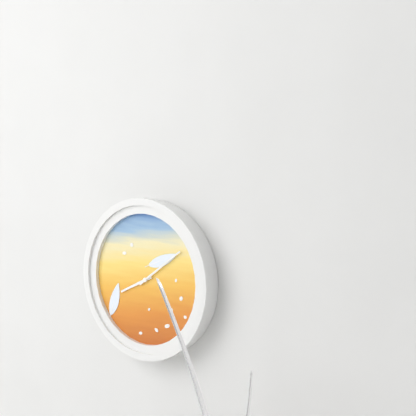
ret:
8:09
